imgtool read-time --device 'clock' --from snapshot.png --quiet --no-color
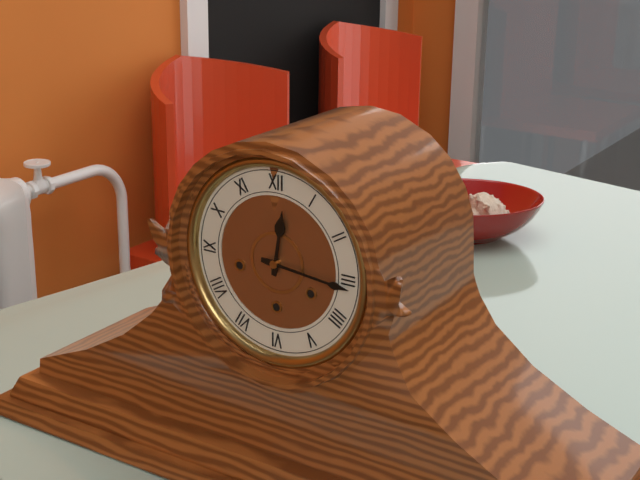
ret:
12:16
